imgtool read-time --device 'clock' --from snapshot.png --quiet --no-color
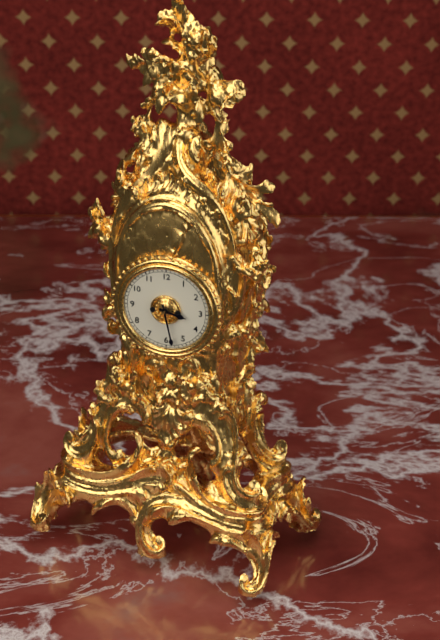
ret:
3:28
